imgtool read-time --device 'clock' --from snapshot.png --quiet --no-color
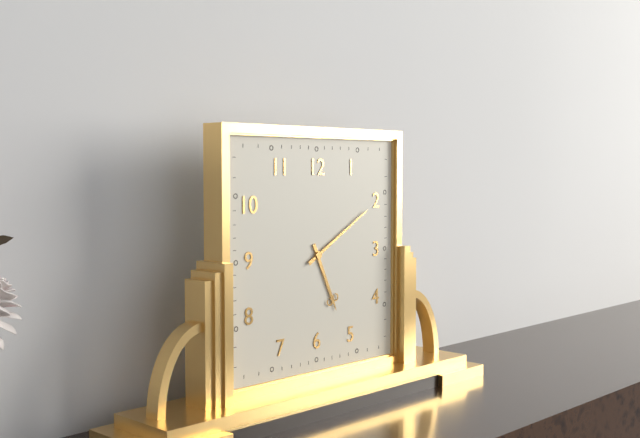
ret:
5:10
